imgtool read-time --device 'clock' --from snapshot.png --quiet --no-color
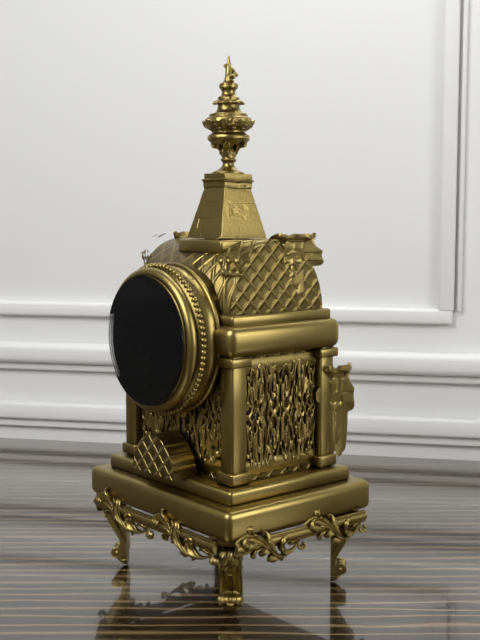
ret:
9:05
